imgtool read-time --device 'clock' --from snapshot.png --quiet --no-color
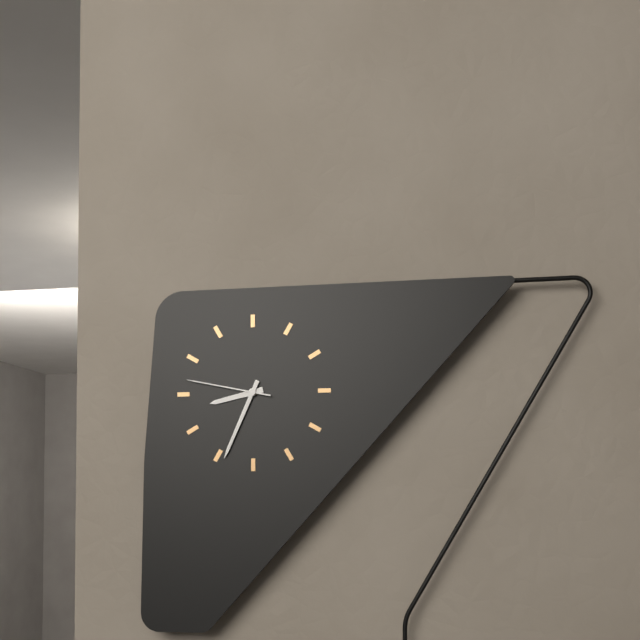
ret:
8:34:47
